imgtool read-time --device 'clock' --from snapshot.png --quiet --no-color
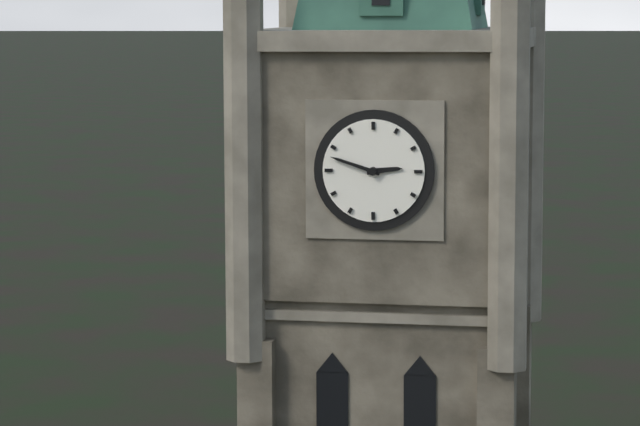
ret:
2:48
